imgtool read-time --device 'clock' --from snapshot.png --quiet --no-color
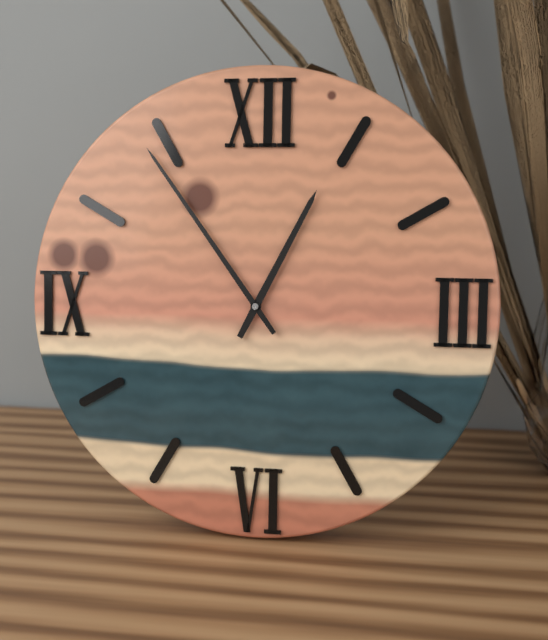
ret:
12:54
